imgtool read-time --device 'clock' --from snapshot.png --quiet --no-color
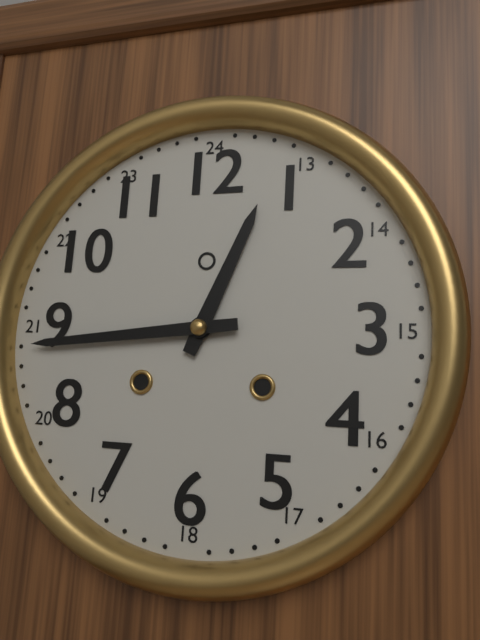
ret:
12:44
